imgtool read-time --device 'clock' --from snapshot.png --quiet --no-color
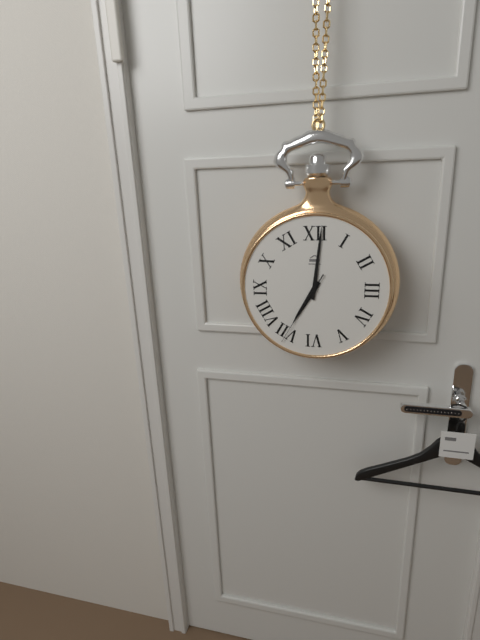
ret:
7:01:35
